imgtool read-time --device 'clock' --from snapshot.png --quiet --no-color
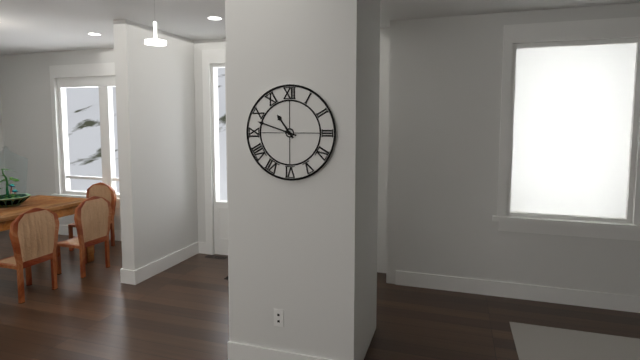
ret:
10:48
